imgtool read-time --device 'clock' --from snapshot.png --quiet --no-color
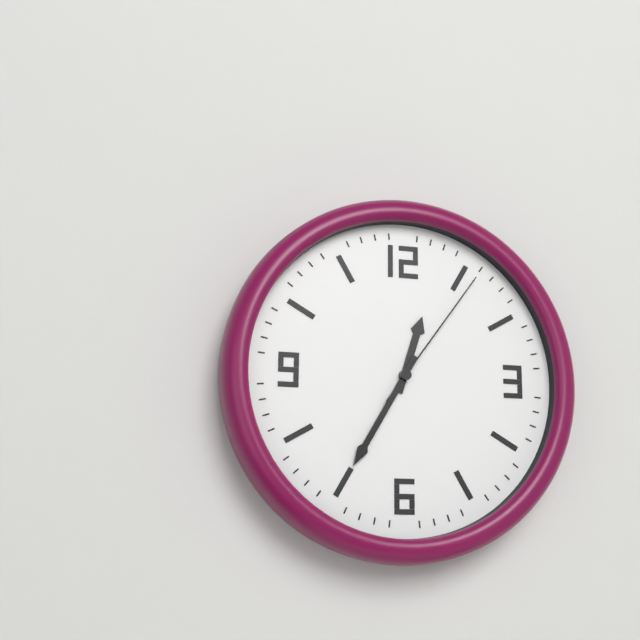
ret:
12:35:06
